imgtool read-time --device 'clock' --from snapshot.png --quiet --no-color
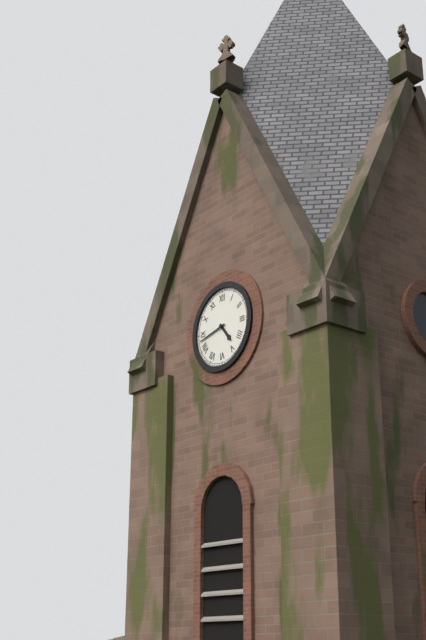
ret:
4:43
